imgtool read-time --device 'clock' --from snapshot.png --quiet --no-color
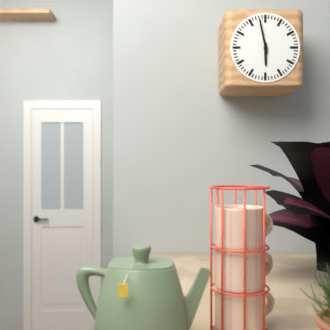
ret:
5:58
